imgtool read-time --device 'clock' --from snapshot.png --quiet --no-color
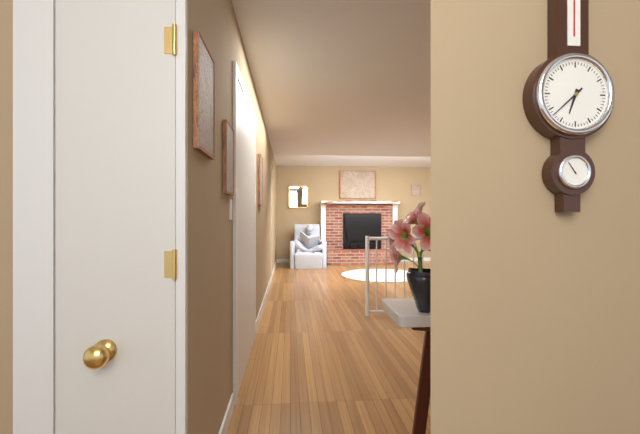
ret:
6:38
